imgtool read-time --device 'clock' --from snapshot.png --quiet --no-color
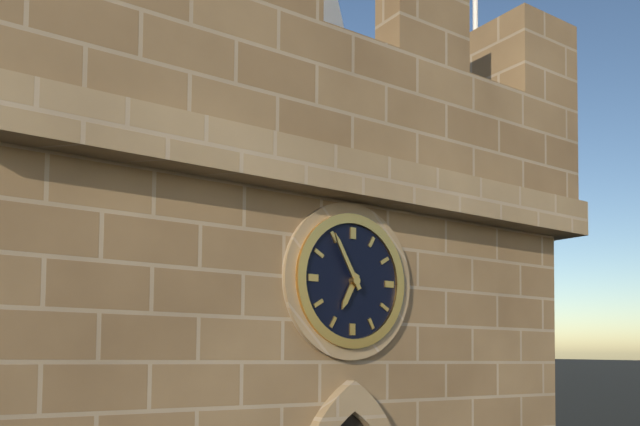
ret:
6:55
